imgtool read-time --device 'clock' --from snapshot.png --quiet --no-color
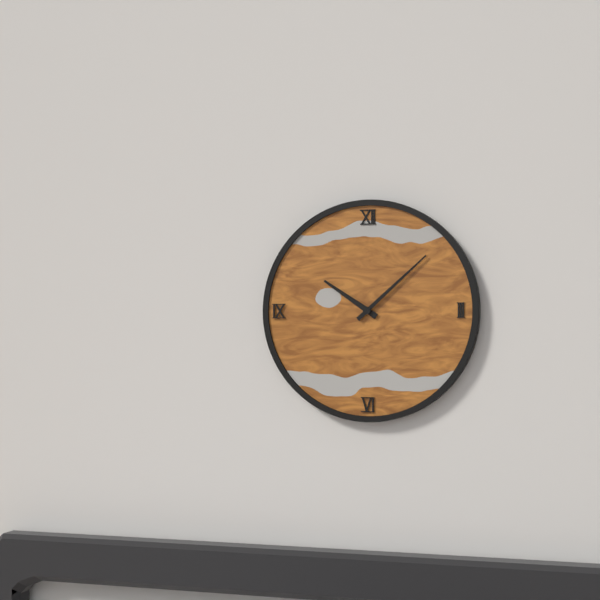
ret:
10:08
